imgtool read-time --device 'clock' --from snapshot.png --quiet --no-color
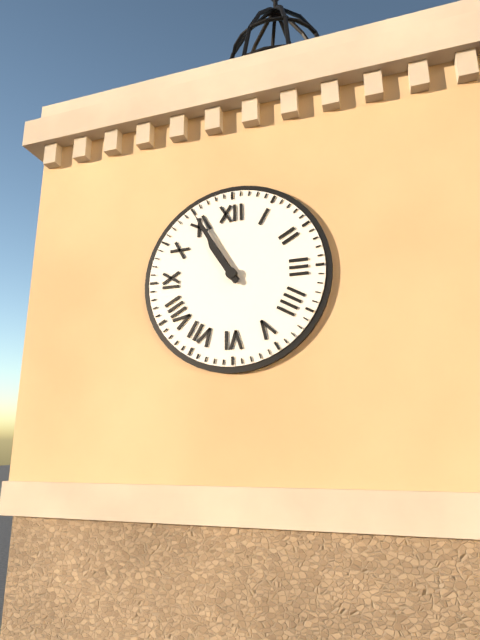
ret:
10:55
